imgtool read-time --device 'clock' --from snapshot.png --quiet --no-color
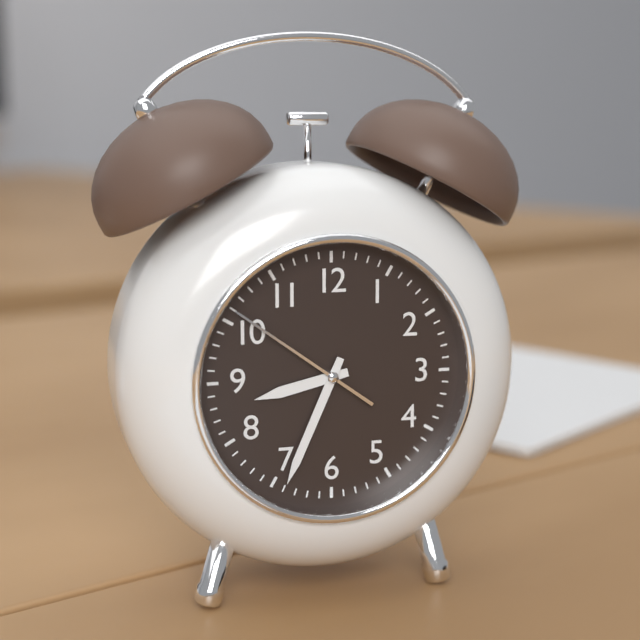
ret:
8:34:51
